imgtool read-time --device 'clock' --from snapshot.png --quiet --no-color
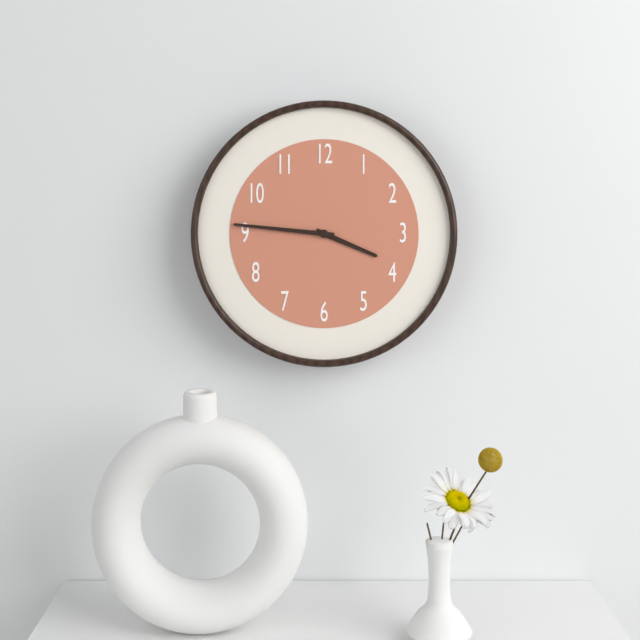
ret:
3:46
